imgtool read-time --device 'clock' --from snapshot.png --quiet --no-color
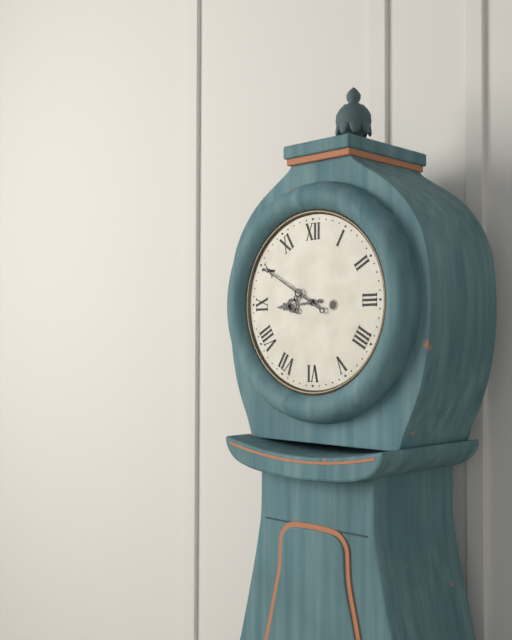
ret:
8:50
